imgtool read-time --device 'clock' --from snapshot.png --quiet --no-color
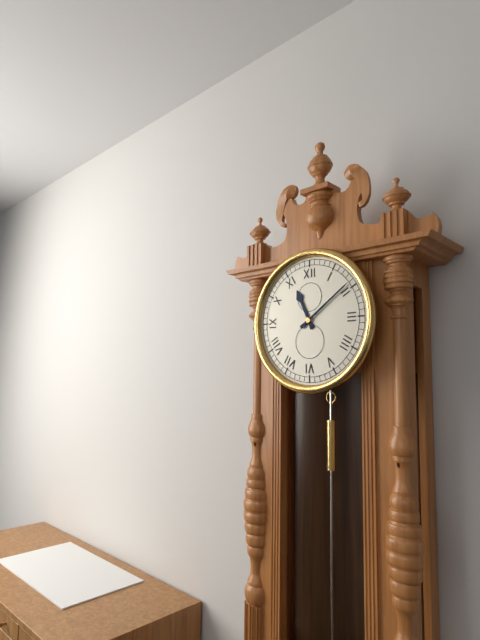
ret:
11:09
